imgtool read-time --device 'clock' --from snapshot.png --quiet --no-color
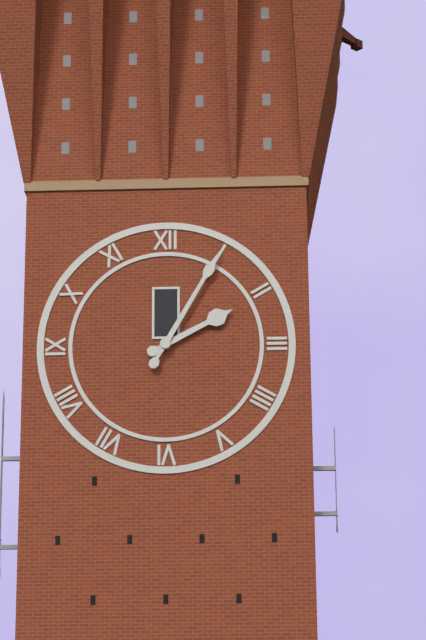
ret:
2:05
